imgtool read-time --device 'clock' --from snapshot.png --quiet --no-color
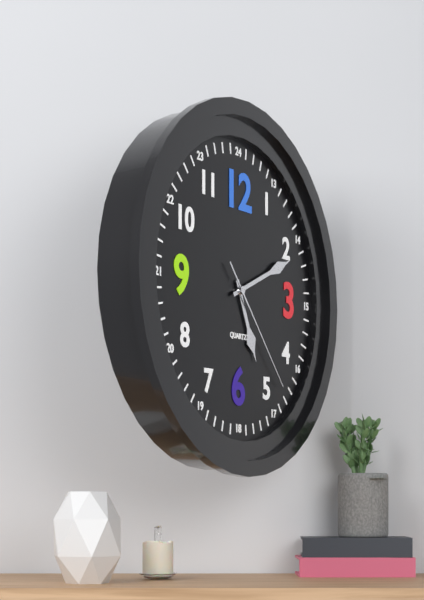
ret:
5:11:23
